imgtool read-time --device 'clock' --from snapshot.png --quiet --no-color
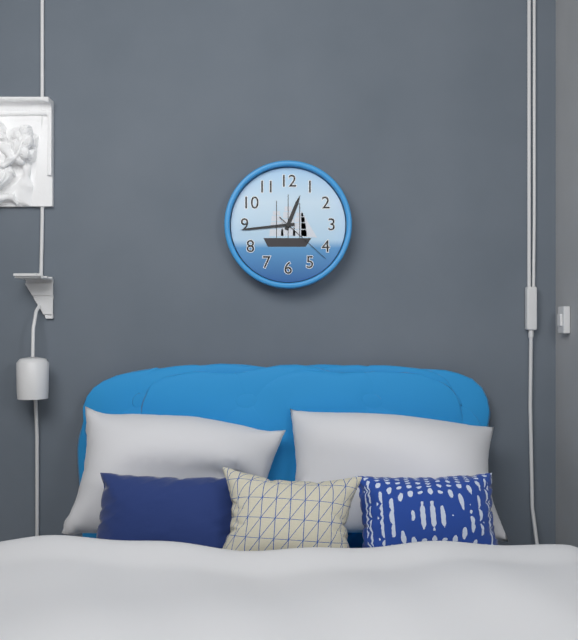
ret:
12:44:22
